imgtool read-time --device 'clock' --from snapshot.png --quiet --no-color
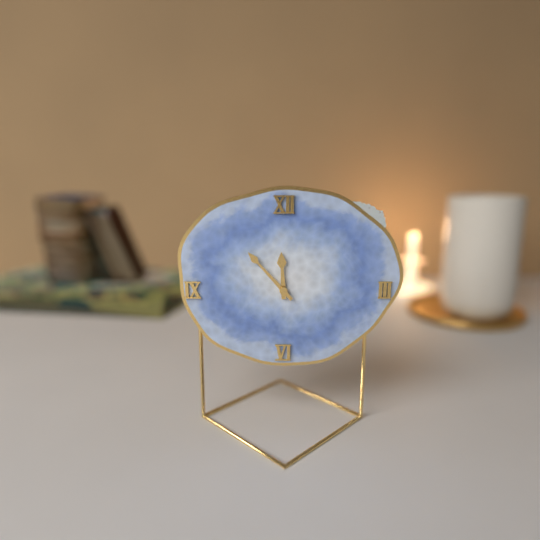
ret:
11:53
